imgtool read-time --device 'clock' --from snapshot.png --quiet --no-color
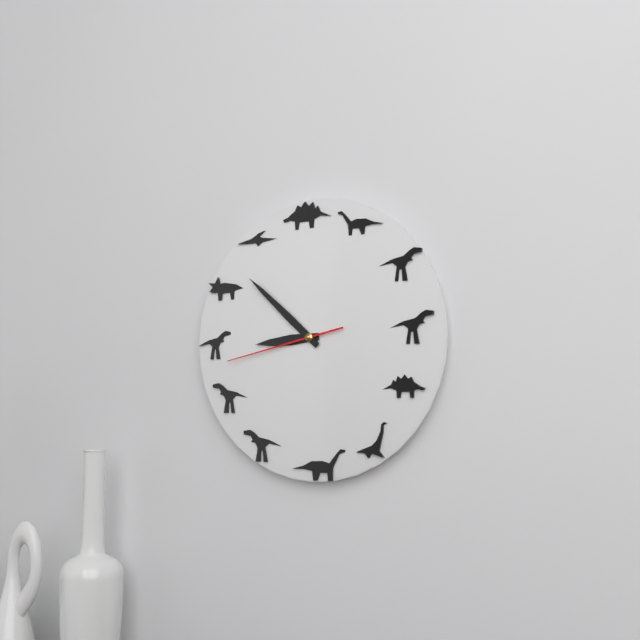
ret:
8:52:43
